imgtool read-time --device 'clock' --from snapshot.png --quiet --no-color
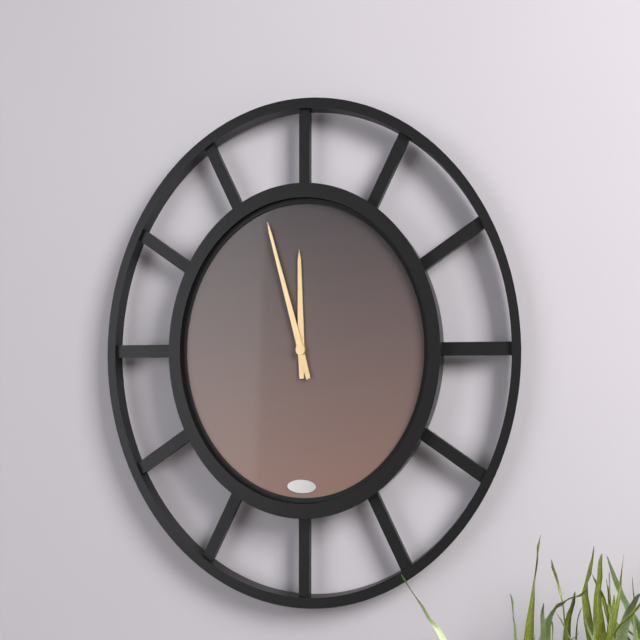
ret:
11:57
